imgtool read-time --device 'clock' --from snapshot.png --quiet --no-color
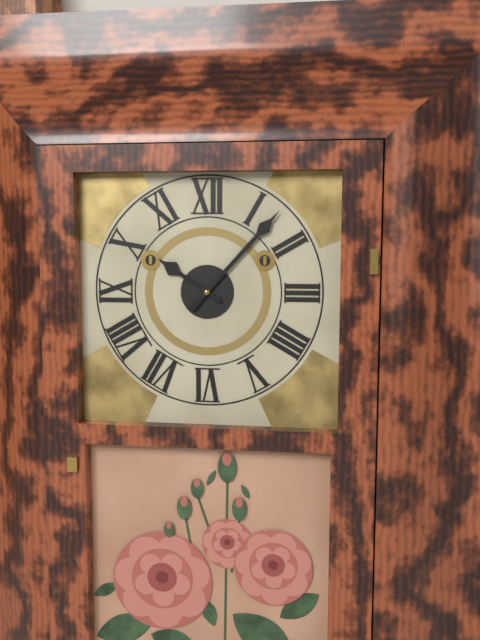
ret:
10:07
